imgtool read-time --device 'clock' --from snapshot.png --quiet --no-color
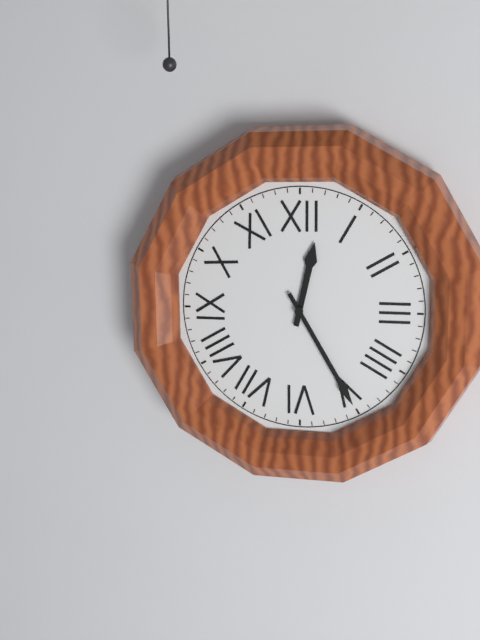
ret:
12:25
